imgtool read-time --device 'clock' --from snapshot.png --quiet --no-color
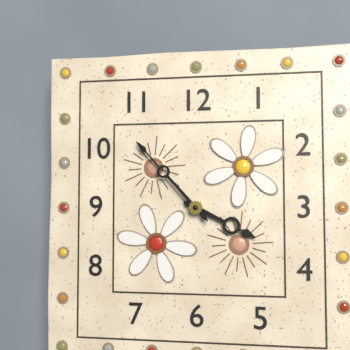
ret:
3:53
